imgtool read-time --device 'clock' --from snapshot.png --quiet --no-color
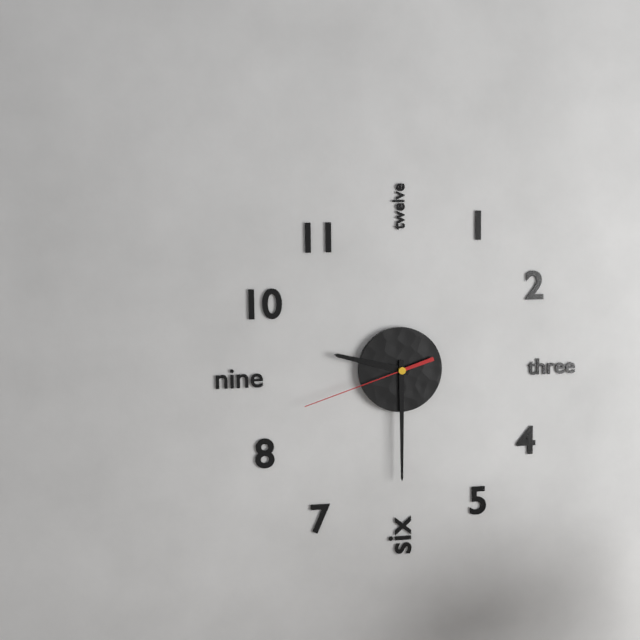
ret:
9:30:42
